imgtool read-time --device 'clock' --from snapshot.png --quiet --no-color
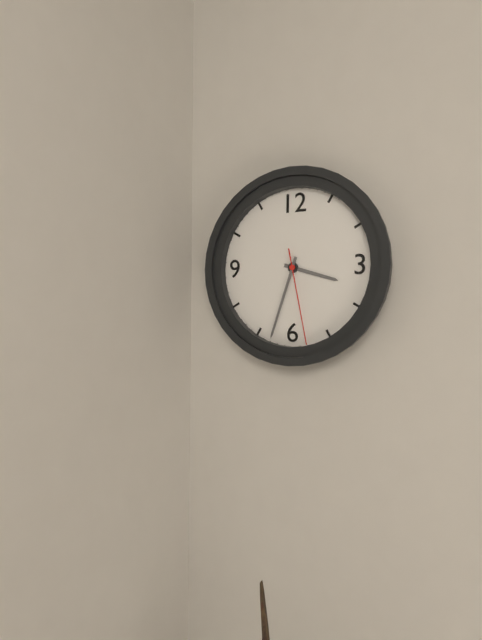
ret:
3:33:28
